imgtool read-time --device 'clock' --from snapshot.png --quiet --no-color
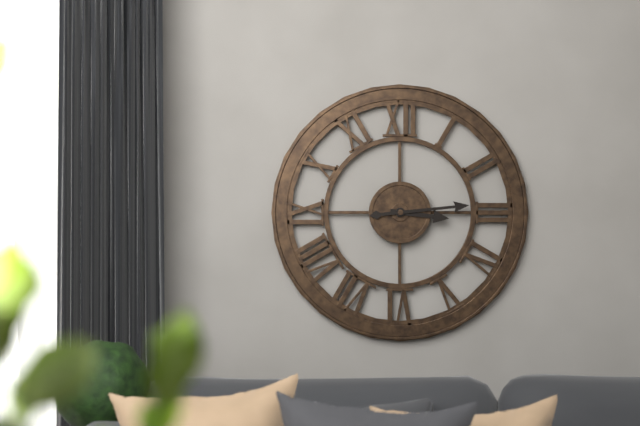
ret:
3:14
